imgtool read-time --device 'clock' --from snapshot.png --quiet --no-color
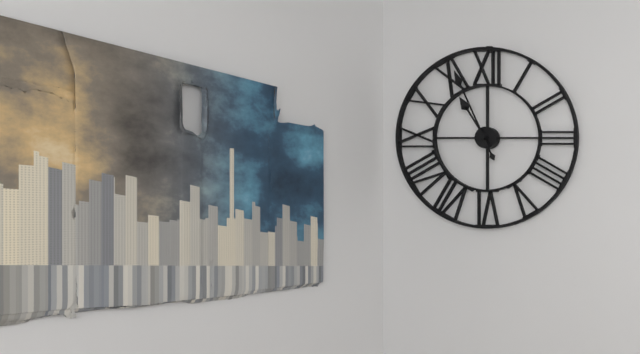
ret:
10:56
